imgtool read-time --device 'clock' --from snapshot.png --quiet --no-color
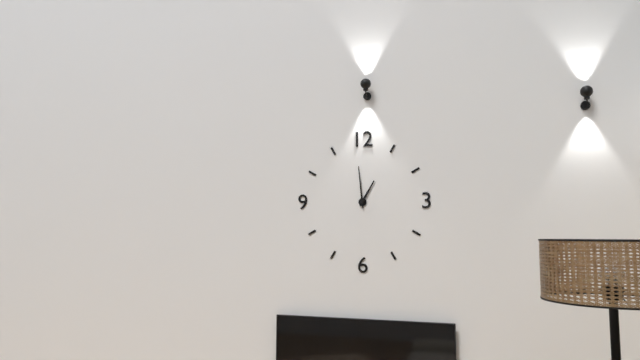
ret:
12:59
